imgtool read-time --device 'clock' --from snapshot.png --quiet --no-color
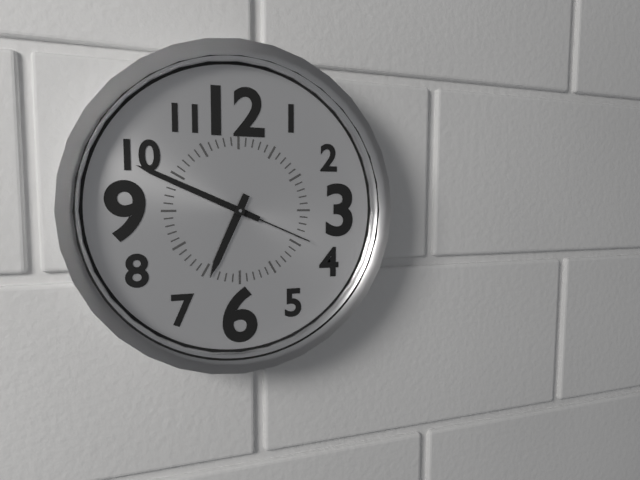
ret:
6:49:19
